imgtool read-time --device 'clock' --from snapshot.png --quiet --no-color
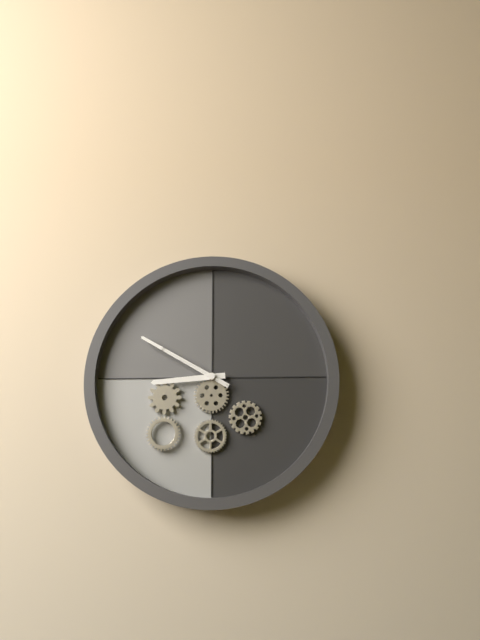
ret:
8:50:50
